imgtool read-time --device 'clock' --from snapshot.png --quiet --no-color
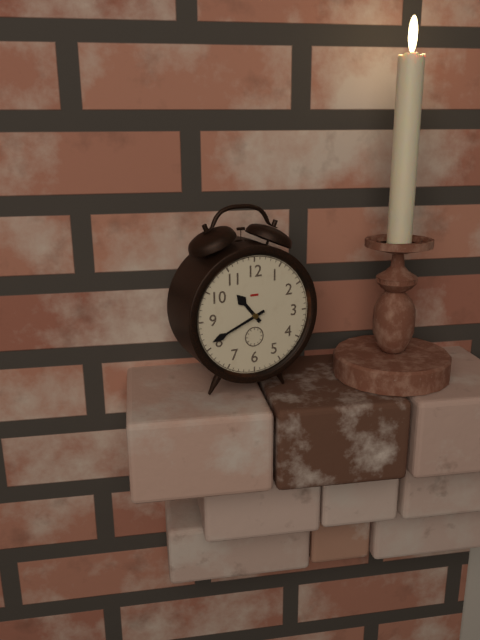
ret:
10:41
